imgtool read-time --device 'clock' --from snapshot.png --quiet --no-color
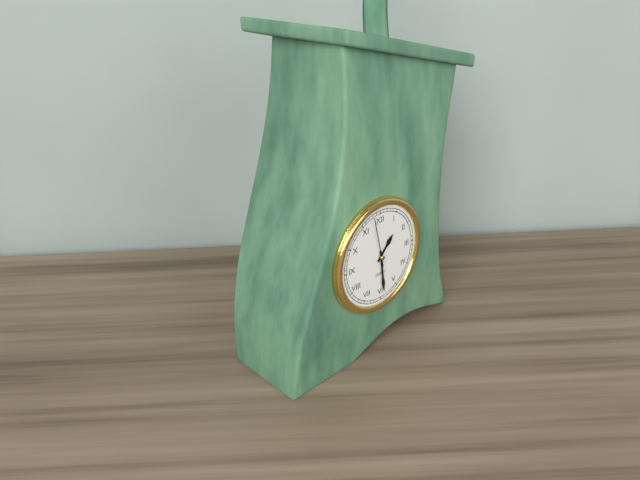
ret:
1:29
